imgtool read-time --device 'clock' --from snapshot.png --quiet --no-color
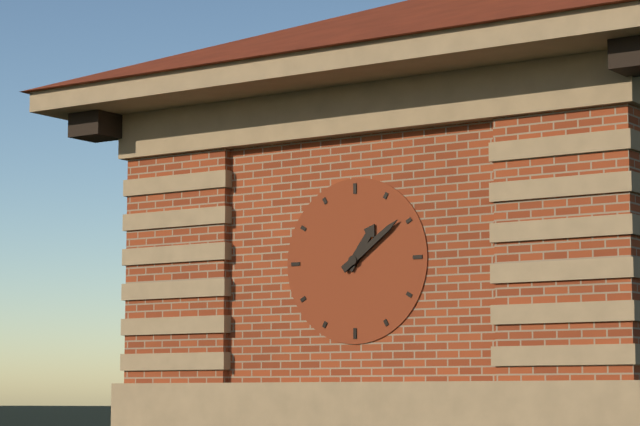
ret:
1:09
